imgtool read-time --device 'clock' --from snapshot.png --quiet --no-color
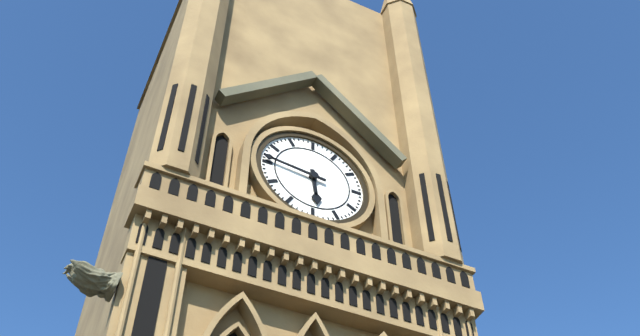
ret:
5:46
